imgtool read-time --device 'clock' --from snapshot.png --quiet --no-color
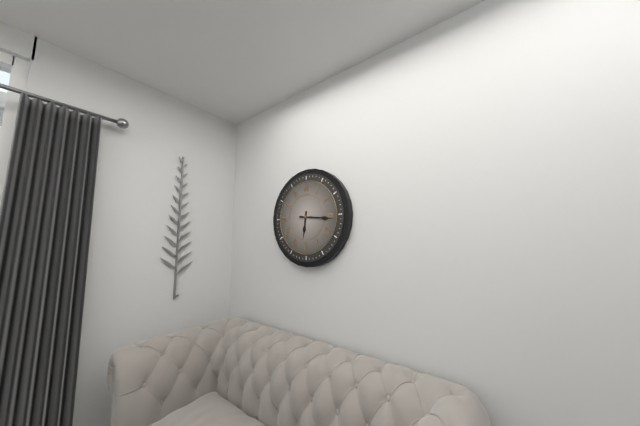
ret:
6:16
